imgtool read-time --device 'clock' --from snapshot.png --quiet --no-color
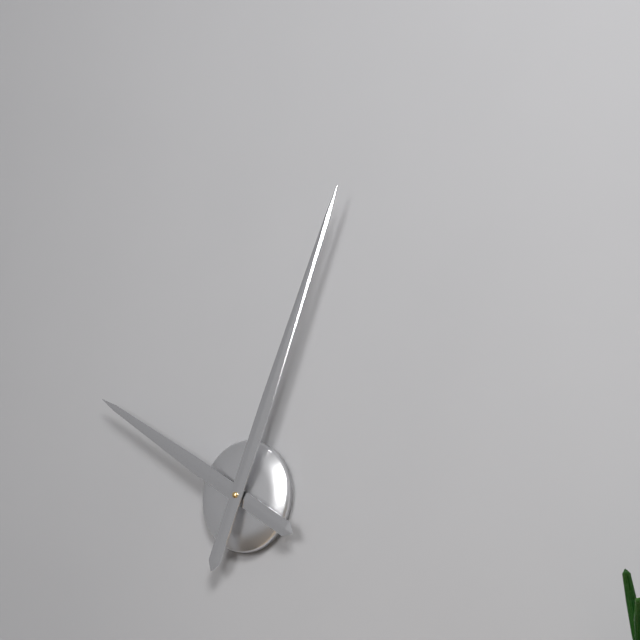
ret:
10:04
